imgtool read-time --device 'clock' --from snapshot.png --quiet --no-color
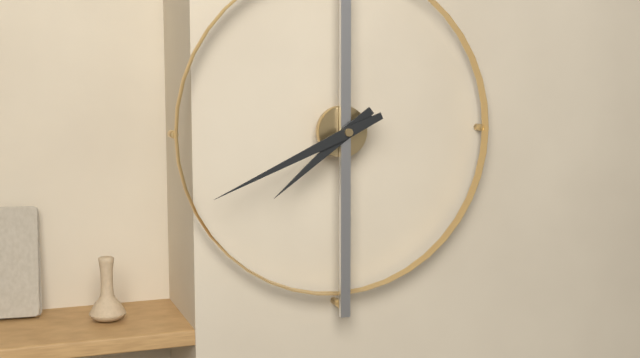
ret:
7:41
